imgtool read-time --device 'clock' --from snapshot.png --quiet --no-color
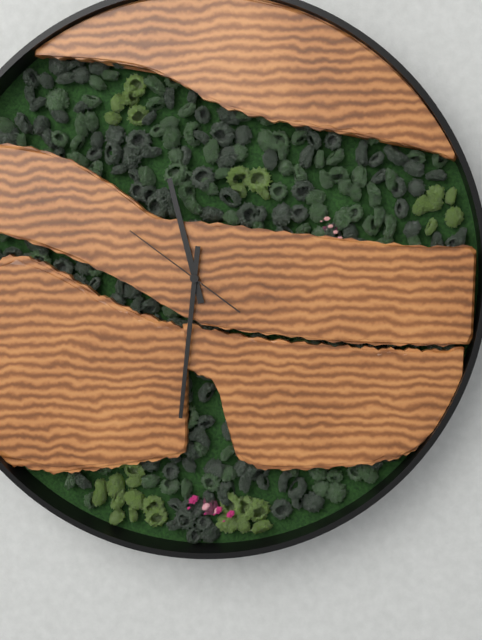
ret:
11:31:51
